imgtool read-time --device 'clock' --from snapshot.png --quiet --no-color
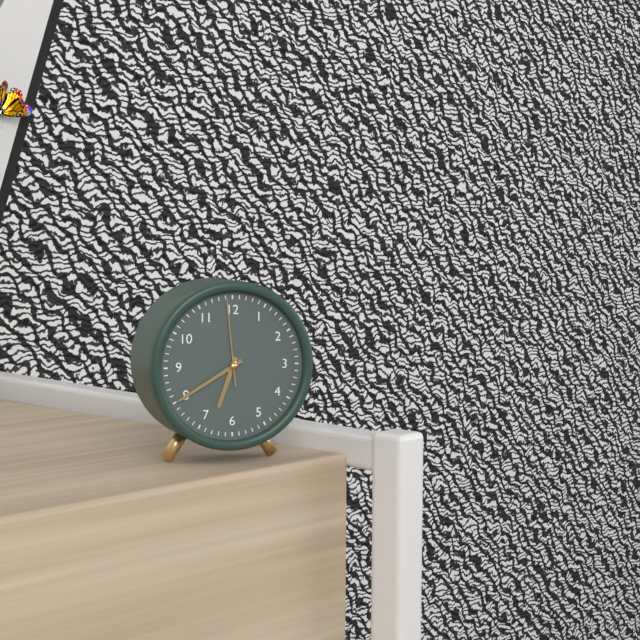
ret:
6:40:59
